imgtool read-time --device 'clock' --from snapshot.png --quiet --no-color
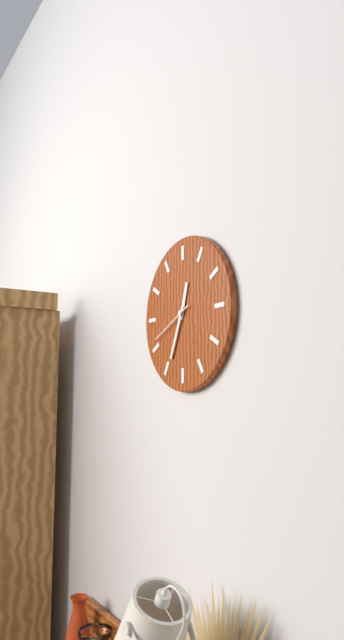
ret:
12:34
